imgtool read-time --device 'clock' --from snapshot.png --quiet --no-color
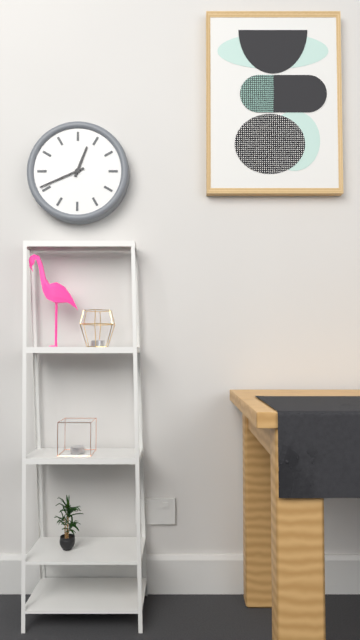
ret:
12:41
